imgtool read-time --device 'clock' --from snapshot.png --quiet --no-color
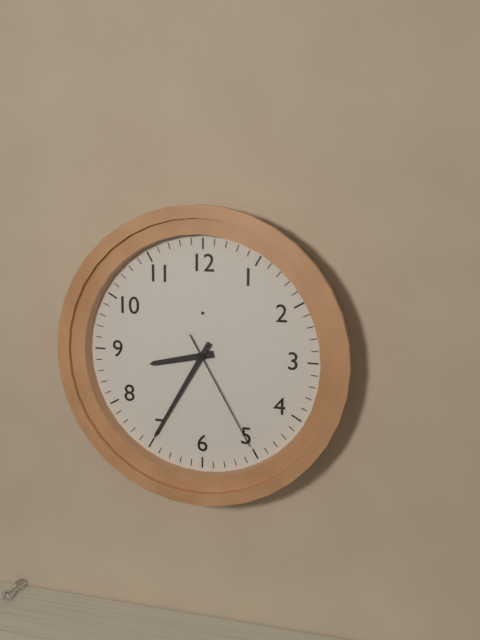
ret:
8:35:25
